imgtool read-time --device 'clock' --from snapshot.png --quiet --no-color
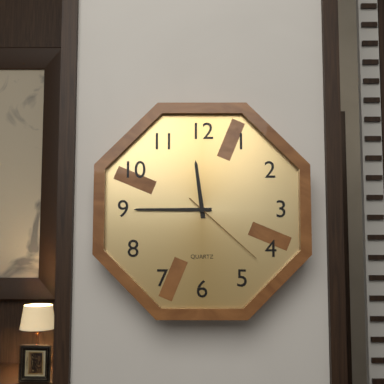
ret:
11:45:22
